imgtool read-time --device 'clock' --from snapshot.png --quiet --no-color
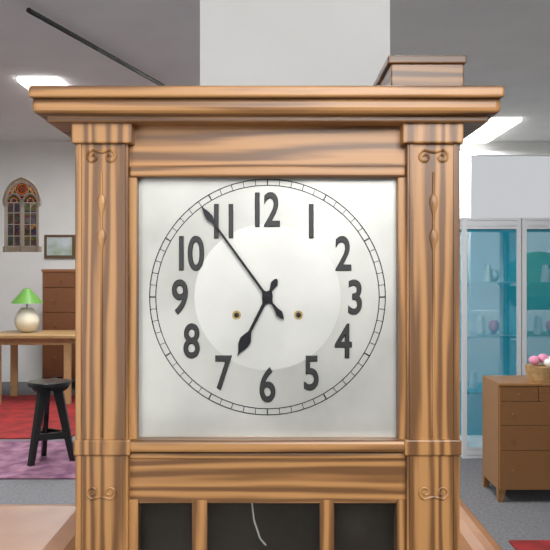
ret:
6:54
